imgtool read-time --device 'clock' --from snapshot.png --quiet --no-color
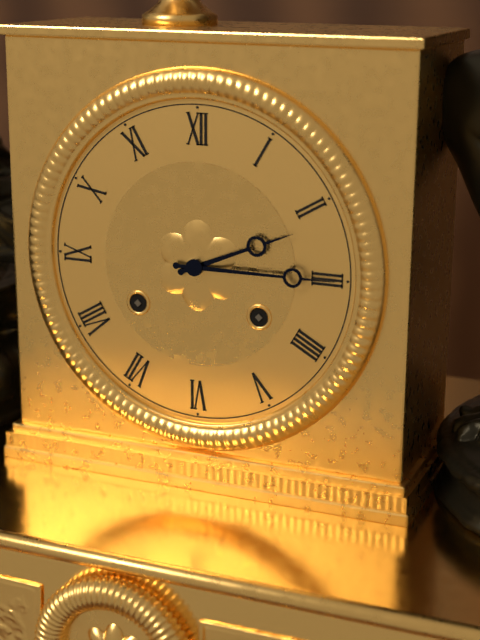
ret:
2:15
